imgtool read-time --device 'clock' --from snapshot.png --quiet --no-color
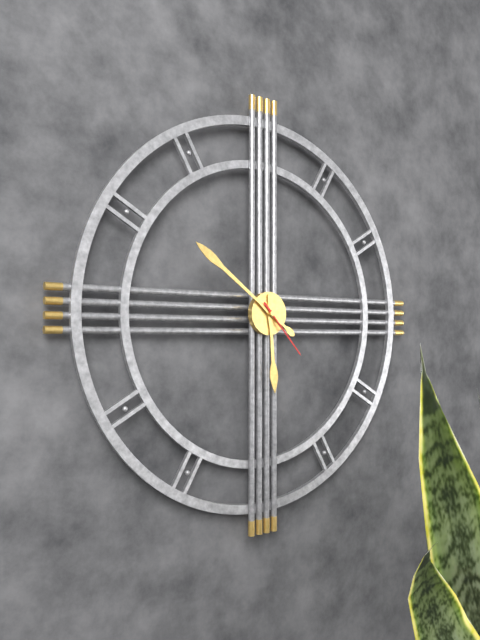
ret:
5:51:23
